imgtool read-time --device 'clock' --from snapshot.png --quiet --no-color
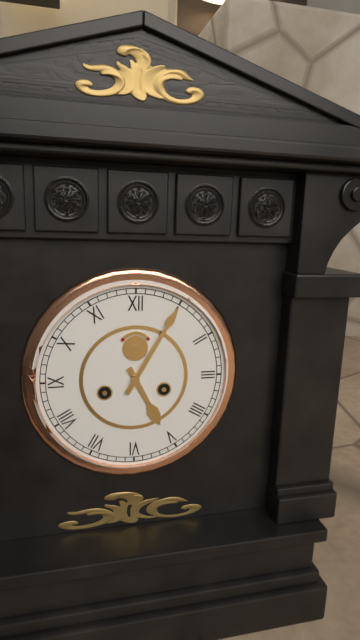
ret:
5:05
